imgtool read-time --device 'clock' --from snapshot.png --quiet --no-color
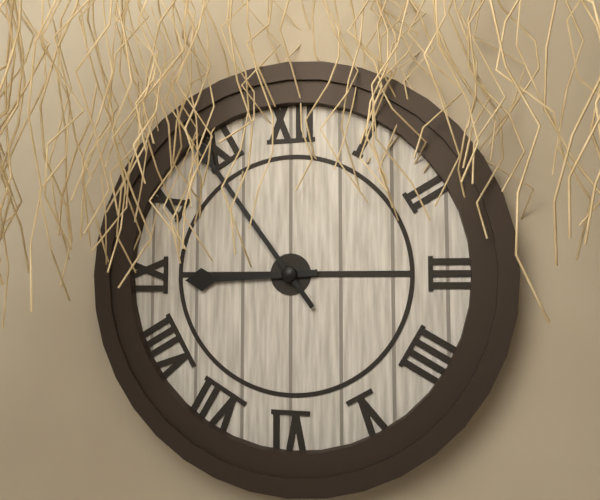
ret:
8:54
